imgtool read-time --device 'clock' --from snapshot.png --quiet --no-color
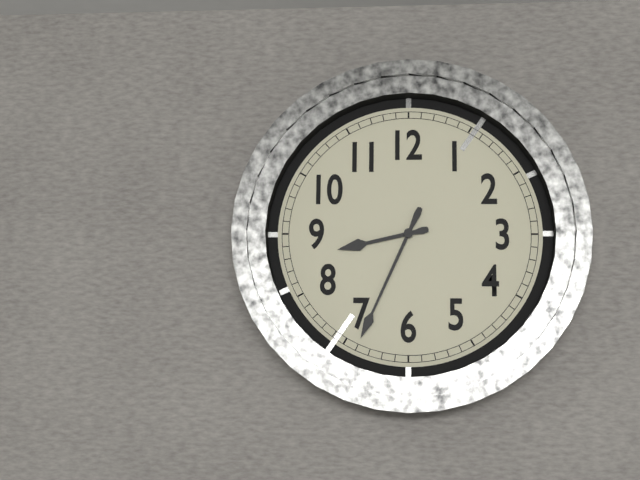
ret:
8:34
